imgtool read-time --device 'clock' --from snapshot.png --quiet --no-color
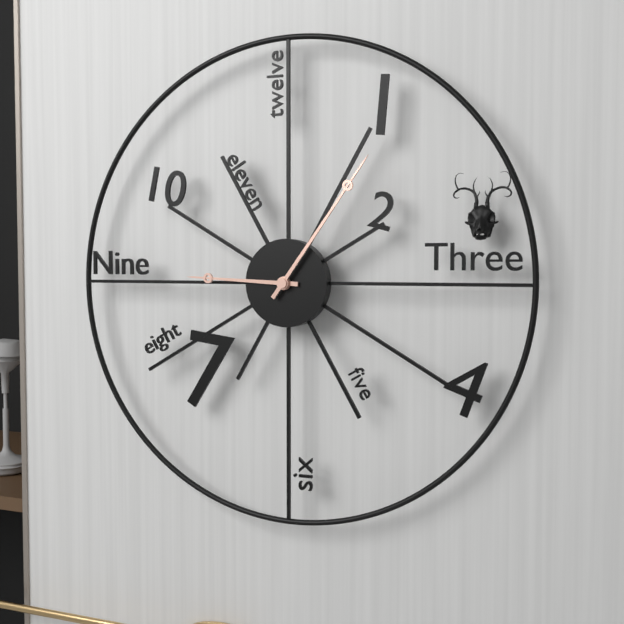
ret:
9:06
